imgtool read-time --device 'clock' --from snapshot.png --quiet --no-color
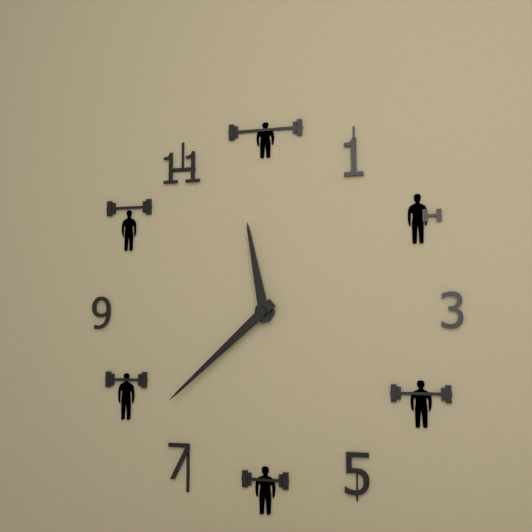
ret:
11:38
